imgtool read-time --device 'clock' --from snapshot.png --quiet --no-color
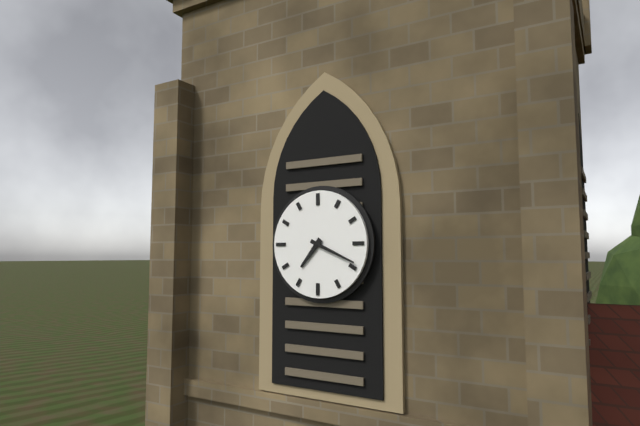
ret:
7:19
